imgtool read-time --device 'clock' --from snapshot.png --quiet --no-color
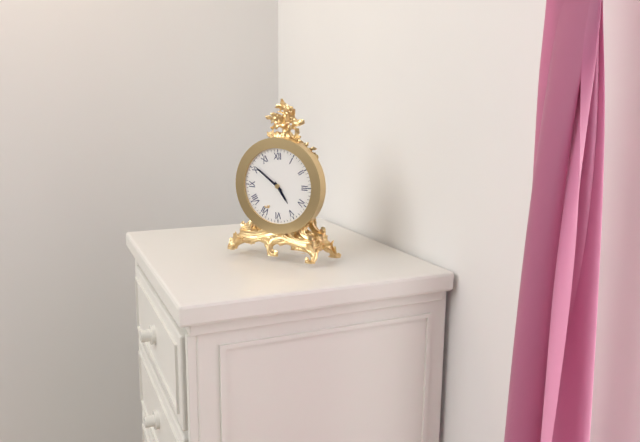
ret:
4:51
